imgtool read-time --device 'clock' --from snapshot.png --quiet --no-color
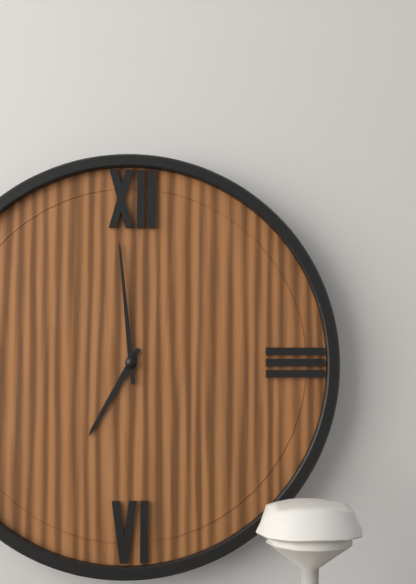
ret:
6:59
